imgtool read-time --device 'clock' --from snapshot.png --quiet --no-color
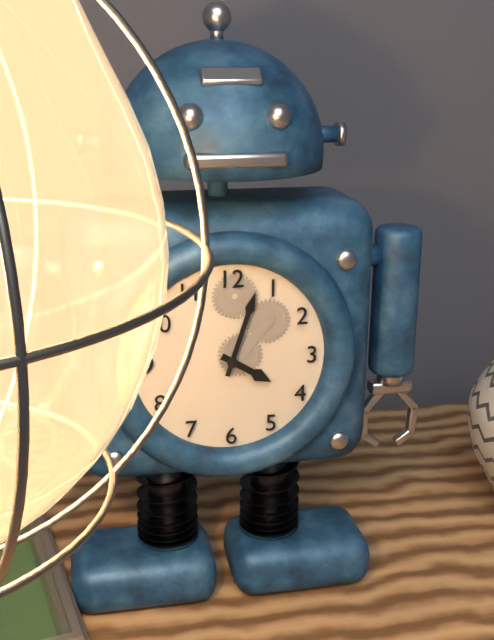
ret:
4:03
